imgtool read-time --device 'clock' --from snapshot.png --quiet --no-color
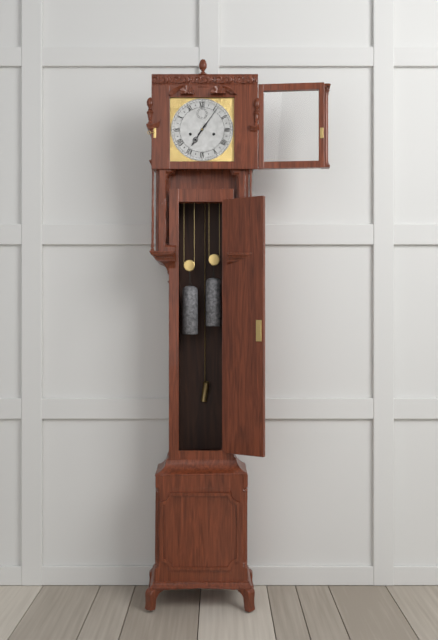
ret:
7:06
